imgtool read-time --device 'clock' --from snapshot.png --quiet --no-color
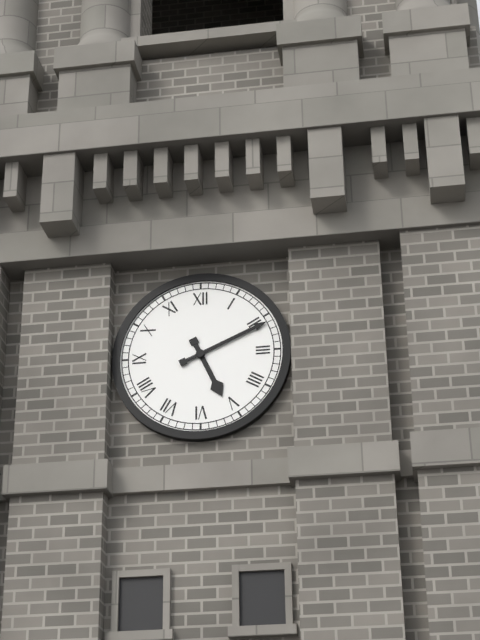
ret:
5:11
